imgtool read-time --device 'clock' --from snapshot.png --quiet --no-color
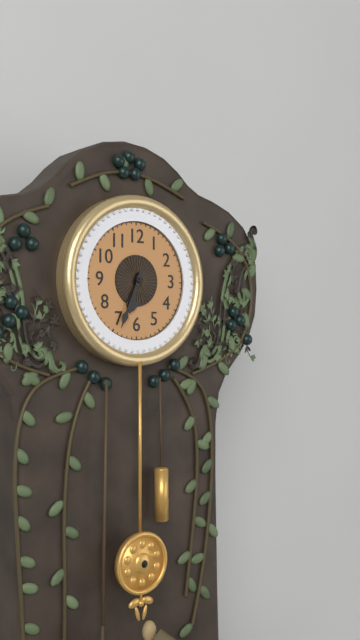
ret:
6:34
